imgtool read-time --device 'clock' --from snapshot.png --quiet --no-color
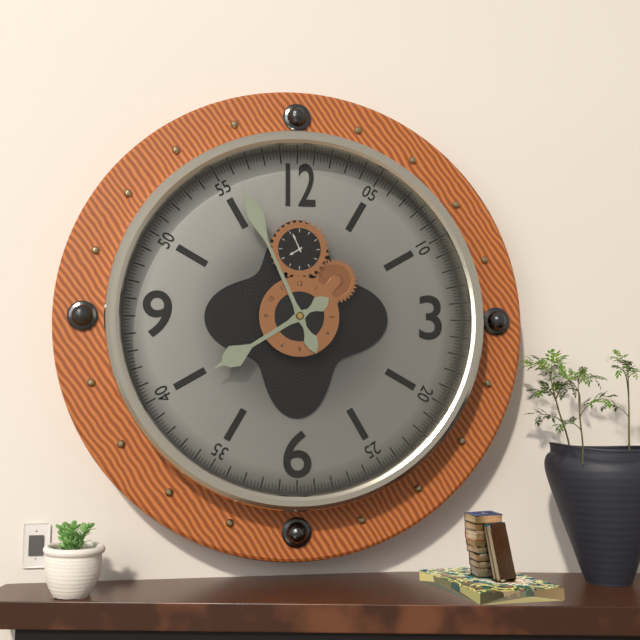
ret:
7:56
